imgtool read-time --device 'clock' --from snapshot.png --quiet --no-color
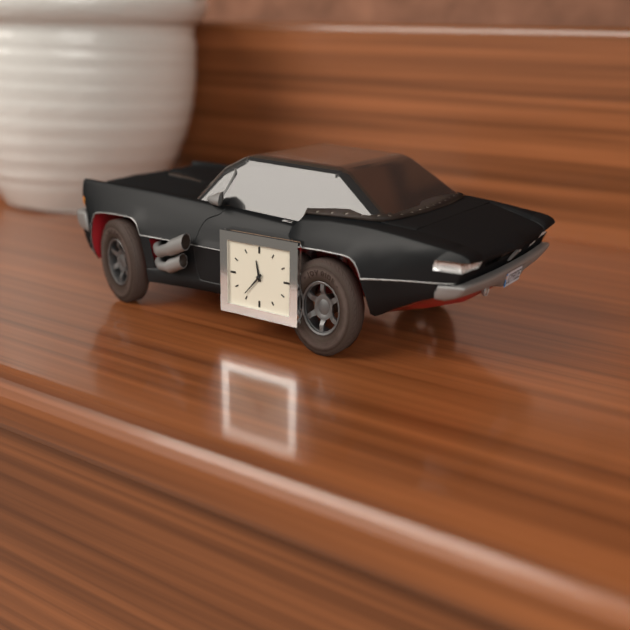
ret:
11:37
